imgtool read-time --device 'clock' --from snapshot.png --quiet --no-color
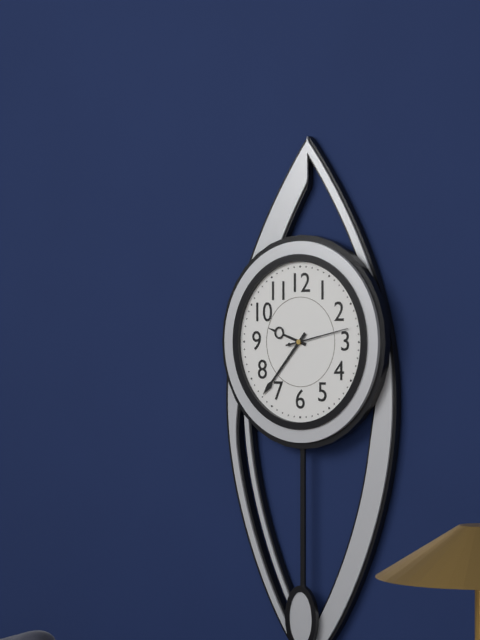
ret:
9:37:13
